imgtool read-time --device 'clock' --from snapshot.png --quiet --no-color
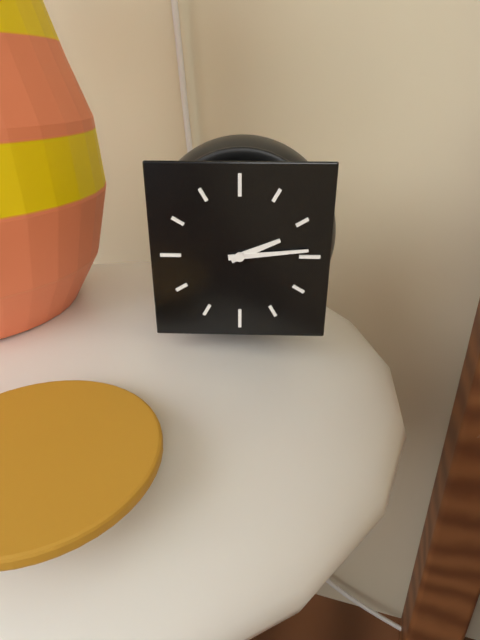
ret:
2:14
